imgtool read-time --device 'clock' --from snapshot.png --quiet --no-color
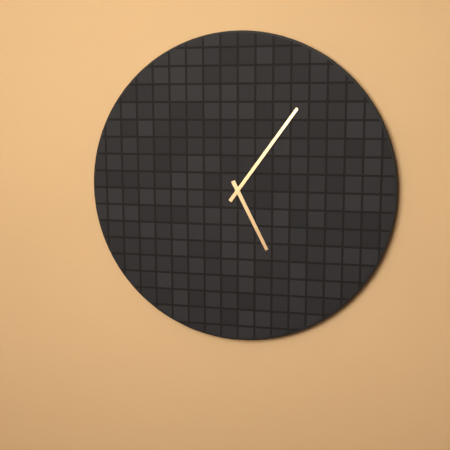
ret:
5:06
